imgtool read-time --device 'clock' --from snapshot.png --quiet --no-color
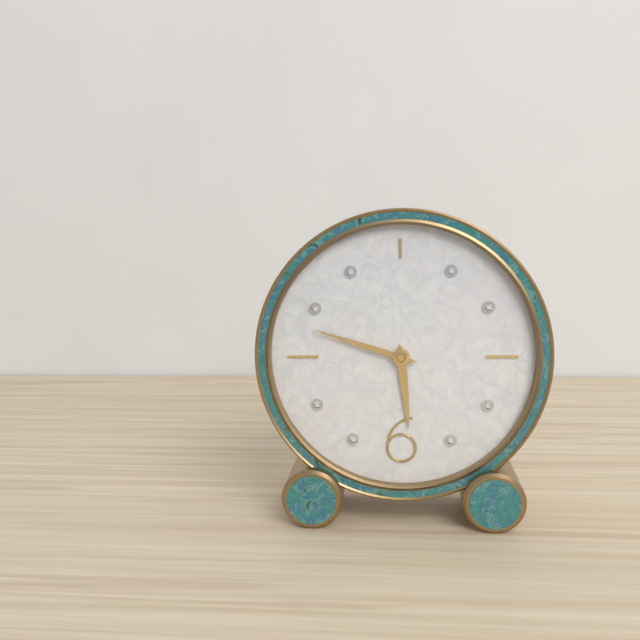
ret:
5:48
